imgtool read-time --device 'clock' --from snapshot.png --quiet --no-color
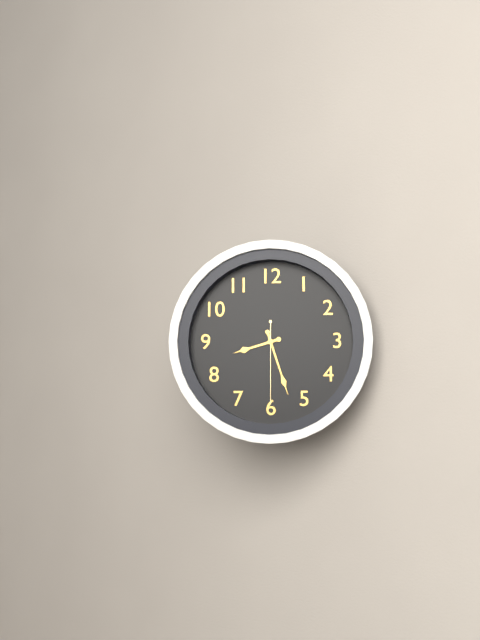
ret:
8:27:30
